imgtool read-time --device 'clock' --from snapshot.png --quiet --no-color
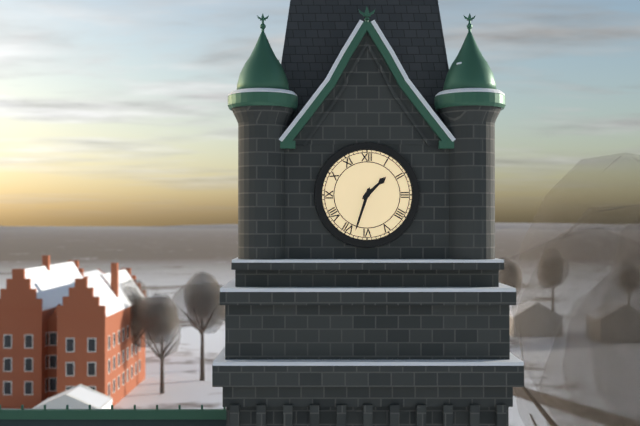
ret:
1:33
